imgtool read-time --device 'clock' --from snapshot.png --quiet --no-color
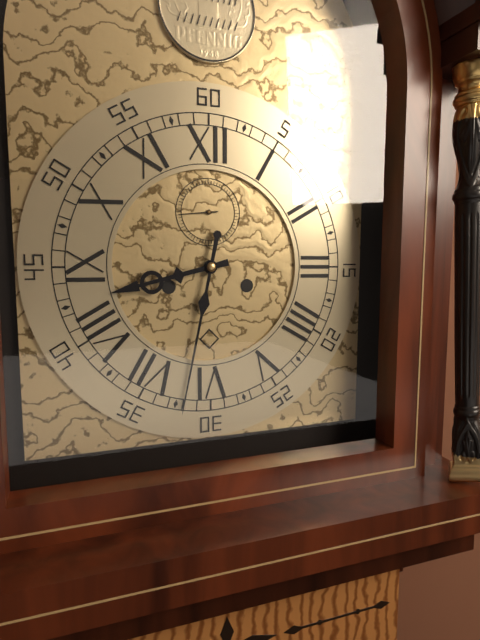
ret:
8:32
